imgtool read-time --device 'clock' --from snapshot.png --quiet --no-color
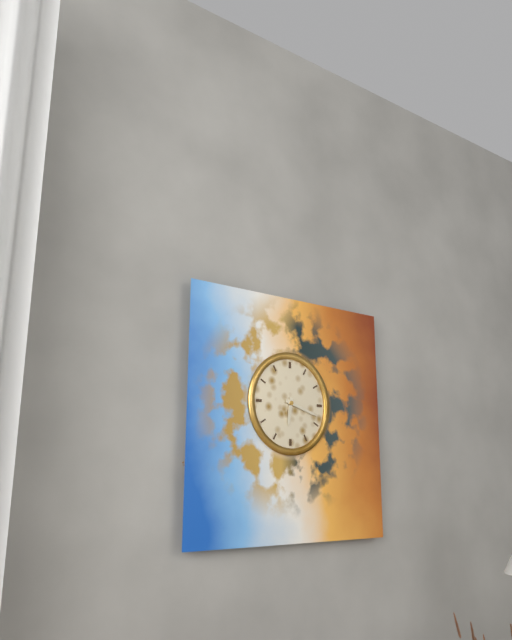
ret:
6:18
